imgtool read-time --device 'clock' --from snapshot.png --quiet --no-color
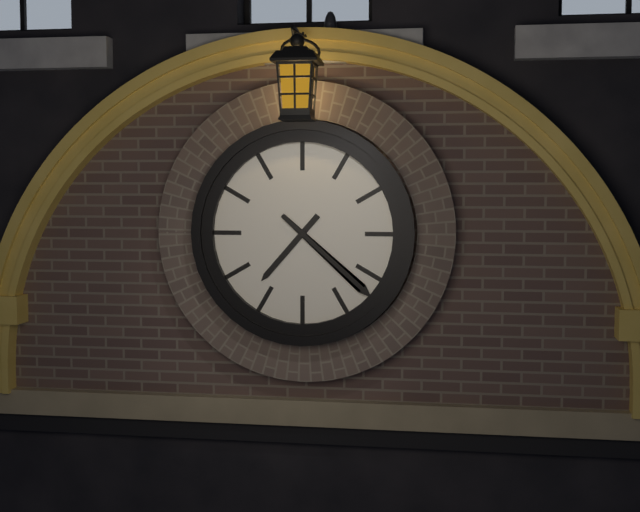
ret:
7:22
